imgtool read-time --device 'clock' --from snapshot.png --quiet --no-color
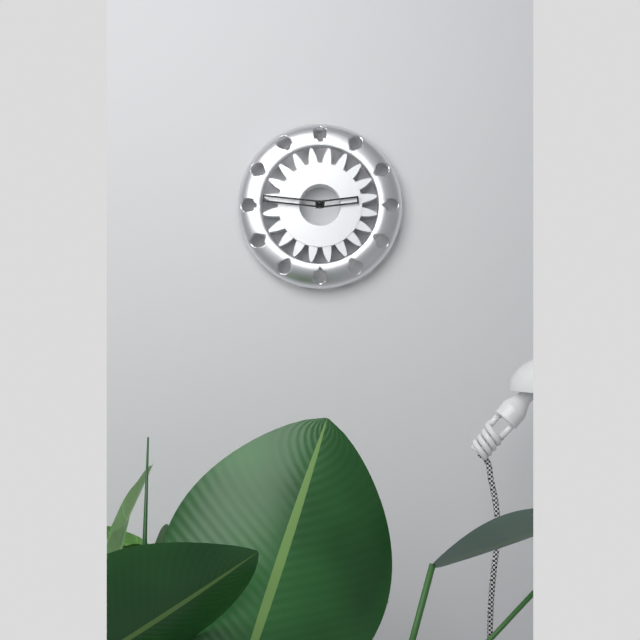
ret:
2:46
